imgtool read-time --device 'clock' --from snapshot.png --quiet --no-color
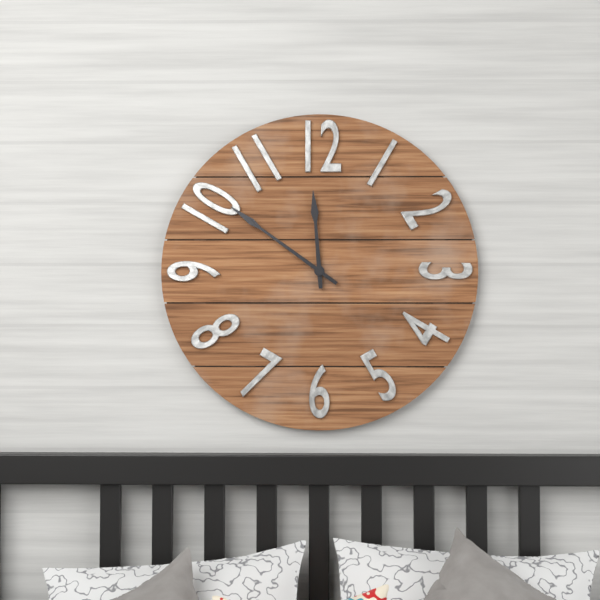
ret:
11:51
